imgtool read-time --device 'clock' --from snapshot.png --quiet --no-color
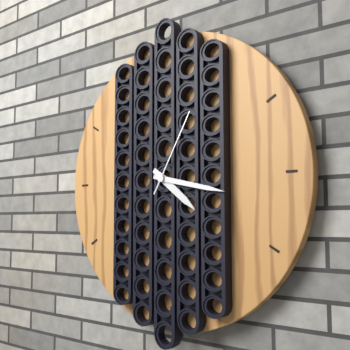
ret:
4:17:05
